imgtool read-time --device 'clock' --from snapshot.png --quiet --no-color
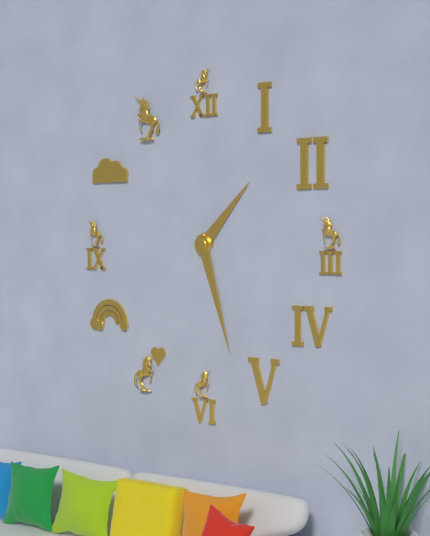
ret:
1:27
